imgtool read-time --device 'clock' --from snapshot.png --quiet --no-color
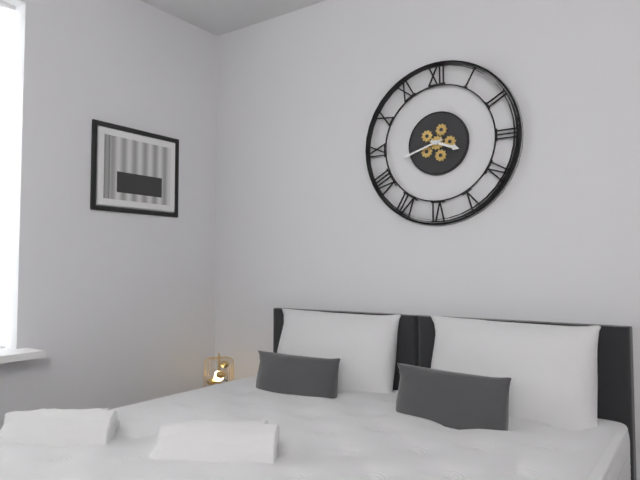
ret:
3:42
